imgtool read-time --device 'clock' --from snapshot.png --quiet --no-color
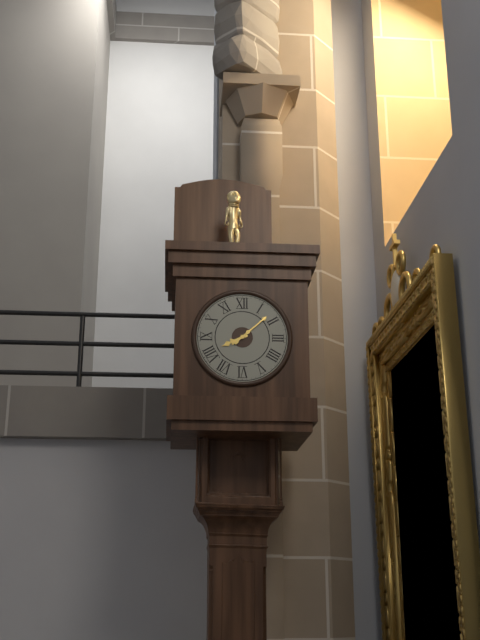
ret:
8:08
